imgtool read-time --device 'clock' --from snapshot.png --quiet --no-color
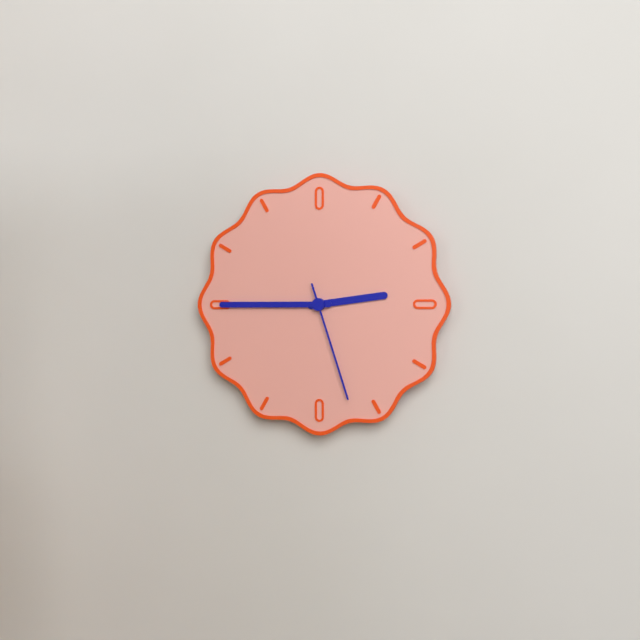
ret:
2:45:27
